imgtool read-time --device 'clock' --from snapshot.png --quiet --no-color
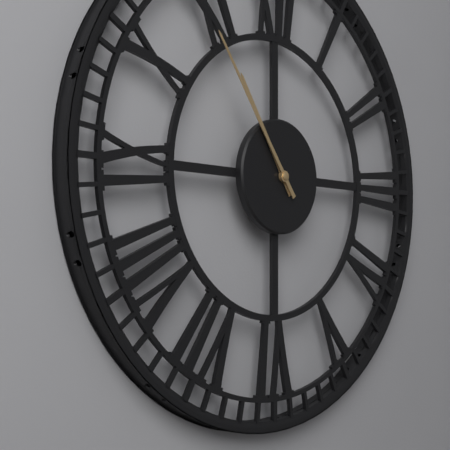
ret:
10:54
